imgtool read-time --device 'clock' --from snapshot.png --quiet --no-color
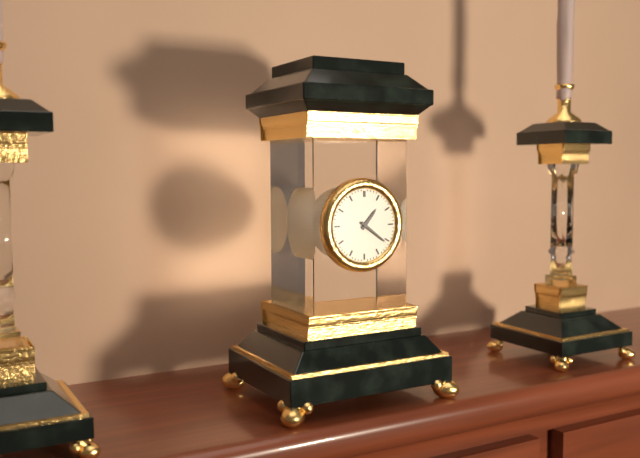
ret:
1:21
